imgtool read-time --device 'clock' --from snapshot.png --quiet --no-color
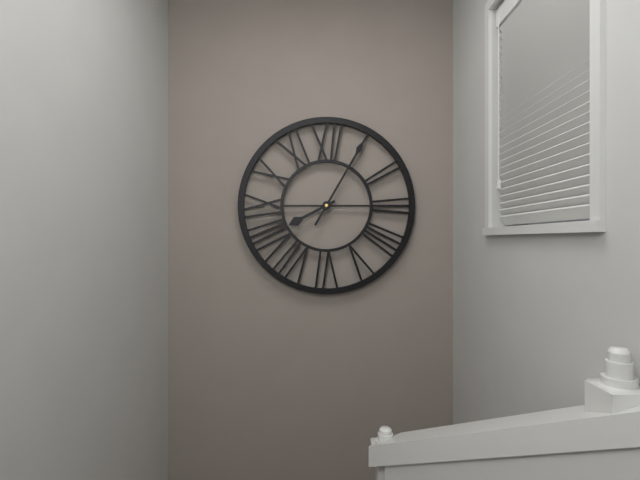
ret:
8:05
